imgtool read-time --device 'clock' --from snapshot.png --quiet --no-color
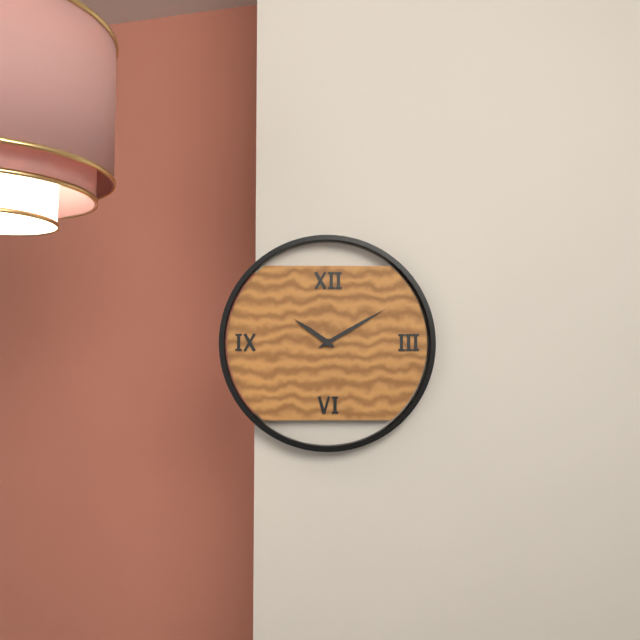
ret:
10:10
